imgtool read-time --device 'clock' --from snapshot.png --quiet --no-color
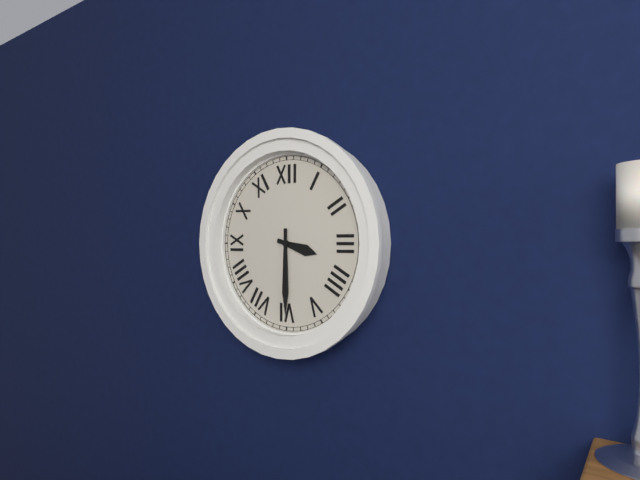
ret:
3:30
